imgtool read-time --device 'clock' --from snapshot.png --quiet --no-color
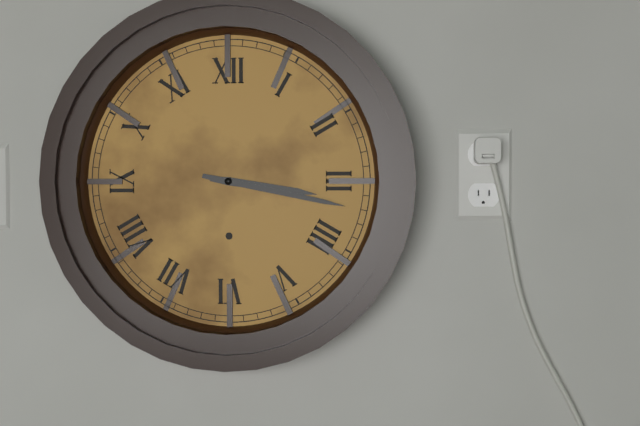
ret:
3:17
